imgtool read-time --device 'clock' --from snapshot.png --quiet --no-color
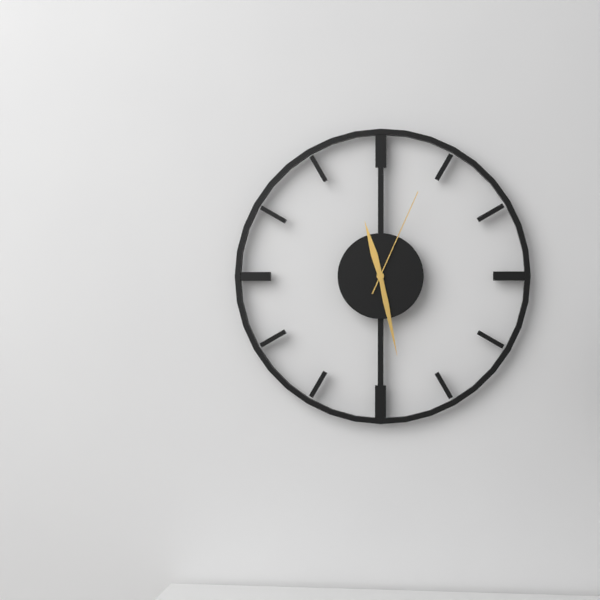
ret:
11:28:04
